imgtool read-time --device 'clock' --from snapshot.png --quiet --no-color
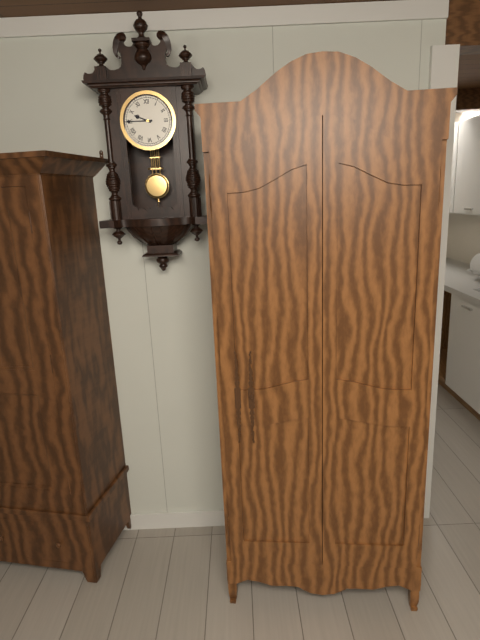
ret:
9:45
